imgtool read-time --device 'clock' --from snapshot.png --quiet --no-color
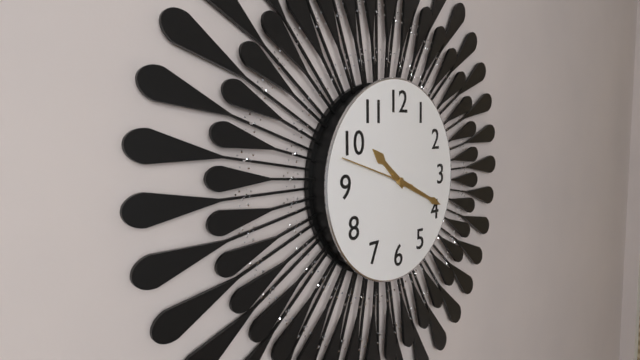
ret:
10:19:48
